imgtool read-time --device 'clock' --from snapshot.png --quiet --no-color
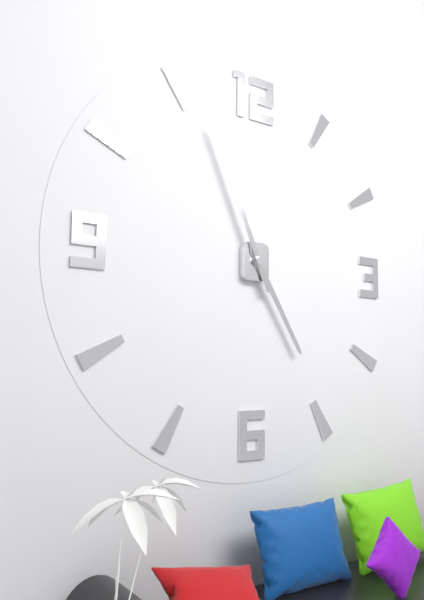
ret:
4:56
